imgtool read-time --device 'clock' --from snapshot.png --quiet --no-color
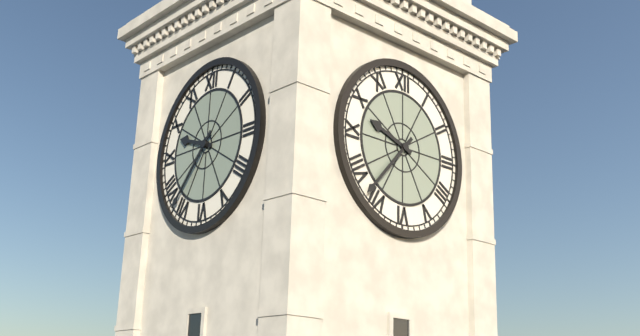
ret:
9:37
